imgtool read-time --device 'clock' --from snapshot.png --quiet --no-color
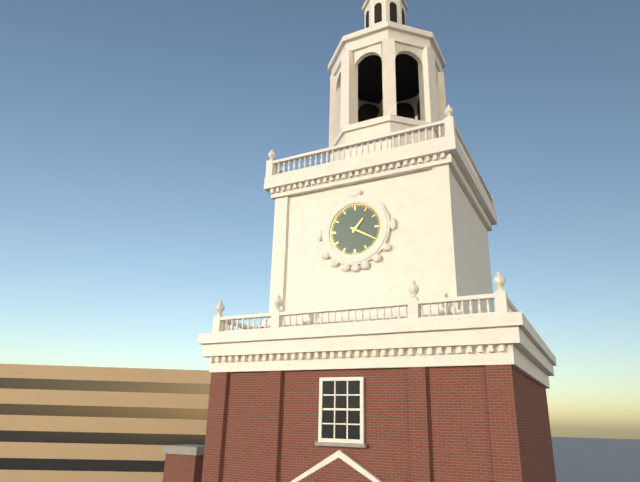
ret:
1:20
